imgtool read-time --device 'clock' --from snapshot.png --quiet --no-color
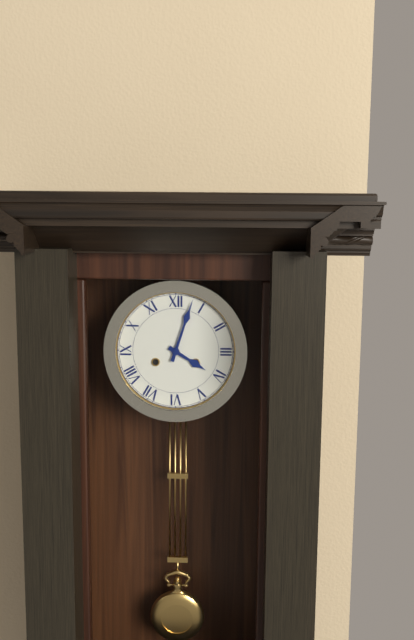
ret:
4:03
